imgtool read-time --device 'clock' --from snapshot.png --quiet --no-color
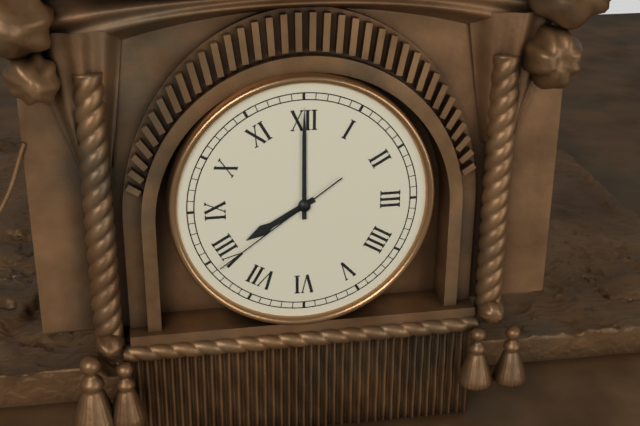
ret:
8:00:39
